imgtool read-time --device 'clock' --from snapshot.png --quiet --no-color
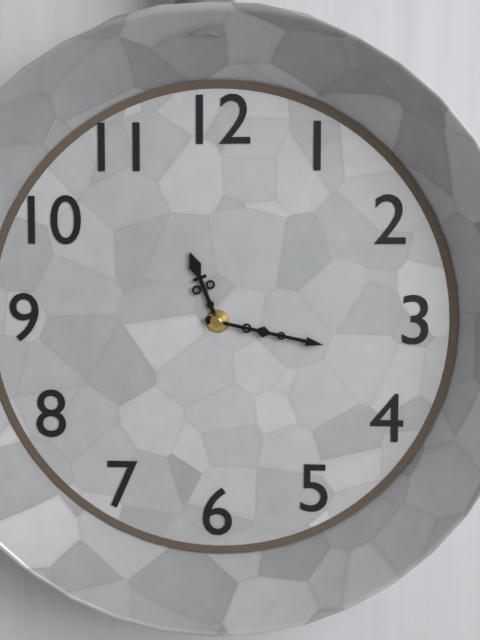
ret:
11:17
